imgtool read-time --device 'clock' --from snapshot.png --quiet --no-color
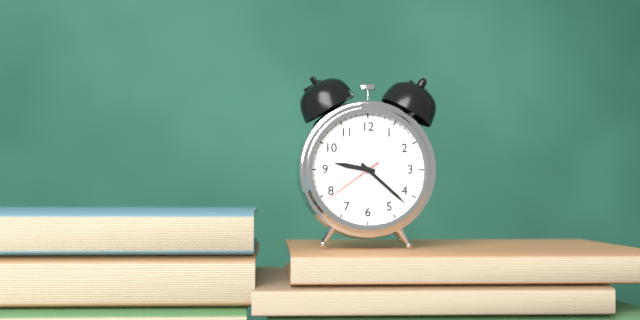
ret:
9:22:39
